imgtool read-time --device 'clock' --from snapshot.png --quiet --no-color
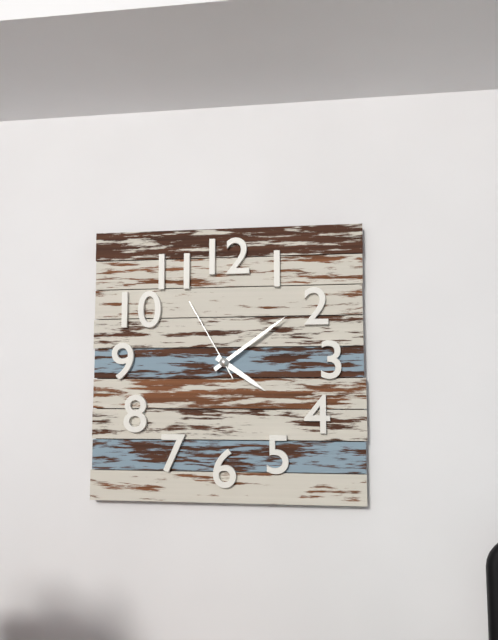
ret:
4:09:55
